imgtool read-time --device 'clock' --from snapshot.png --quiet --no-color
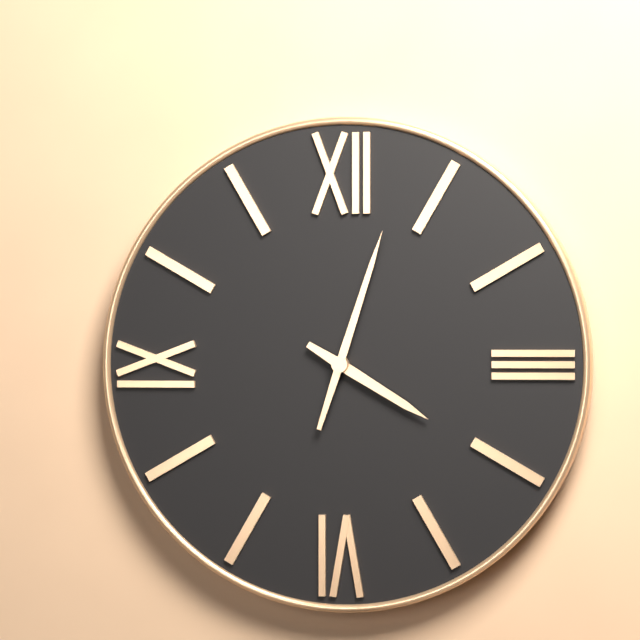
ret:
4:03
